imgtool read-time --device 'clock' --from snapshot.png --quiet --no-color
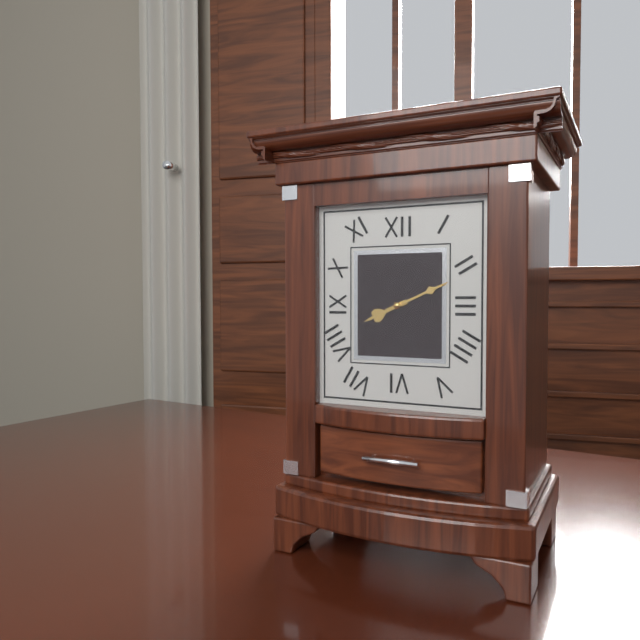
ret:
8:11
